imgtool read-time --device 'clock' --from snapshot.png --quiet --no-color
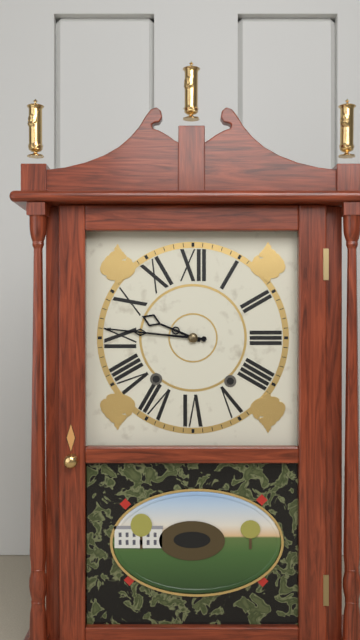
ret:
9:46
